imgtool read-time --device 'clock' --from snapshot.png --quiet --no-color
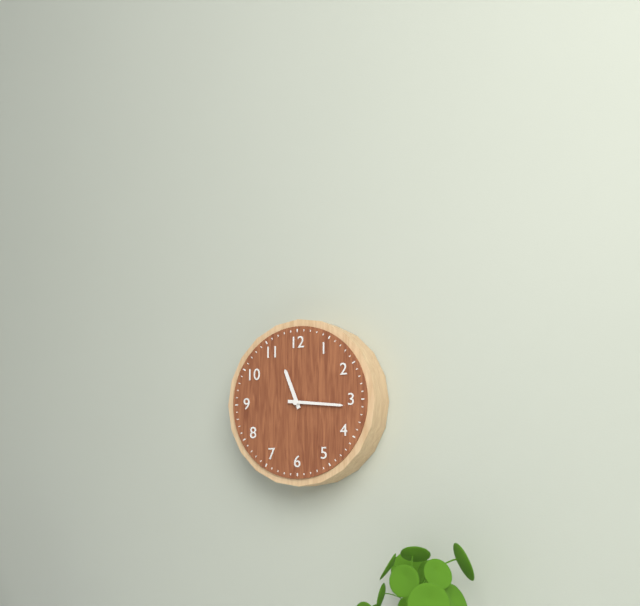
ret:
11:16
